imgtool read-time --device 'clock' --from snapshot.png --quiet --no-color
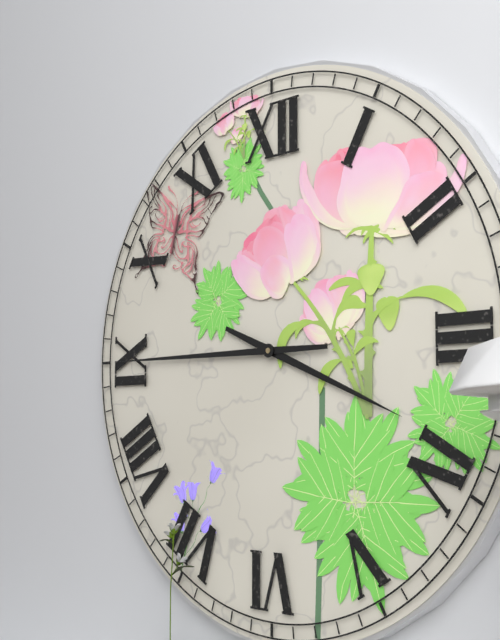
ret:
3:45
